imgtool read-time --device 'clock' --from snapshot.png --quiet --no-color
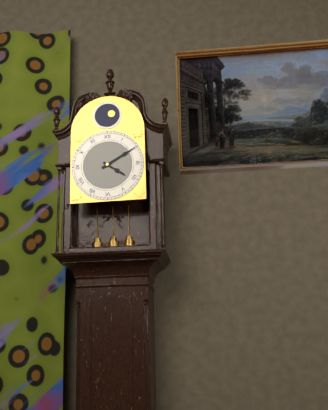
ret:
4:10
